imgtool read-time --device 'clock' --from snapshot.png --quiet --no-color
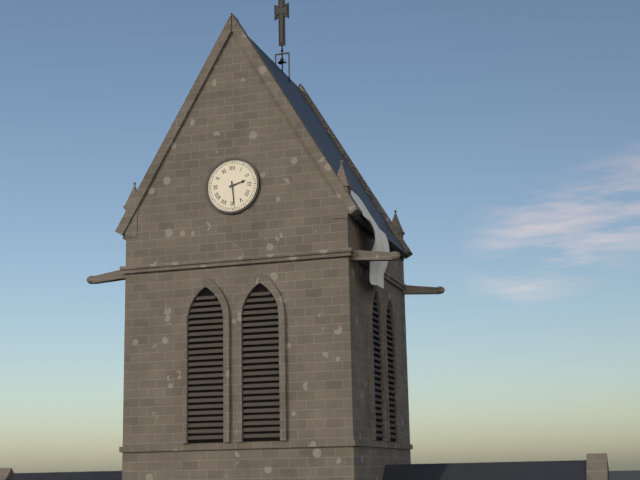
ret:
2:29
